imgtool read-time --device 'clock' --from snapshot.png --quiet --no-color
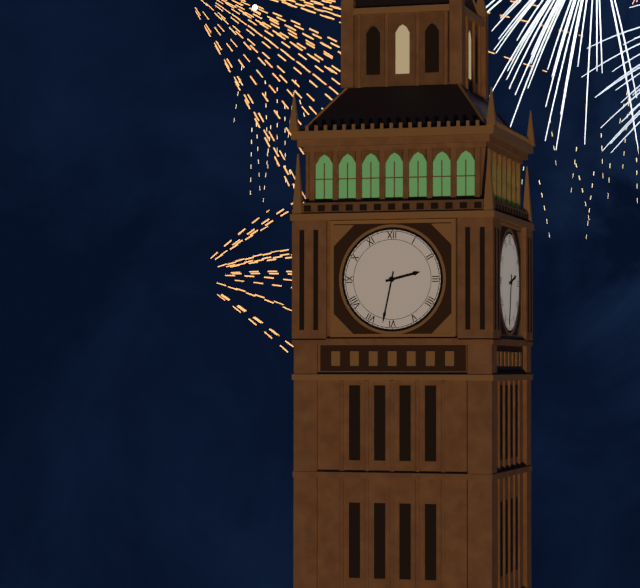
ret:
2:32
